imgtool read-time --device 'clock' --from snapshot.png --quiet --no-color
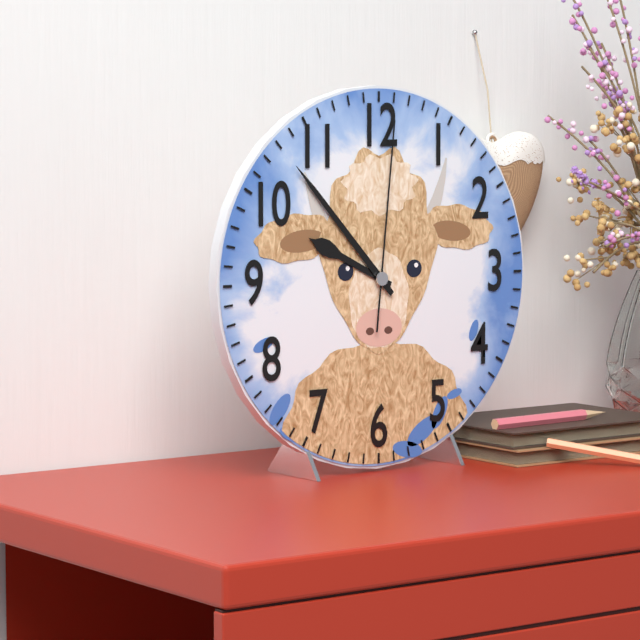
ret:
9:53:01
